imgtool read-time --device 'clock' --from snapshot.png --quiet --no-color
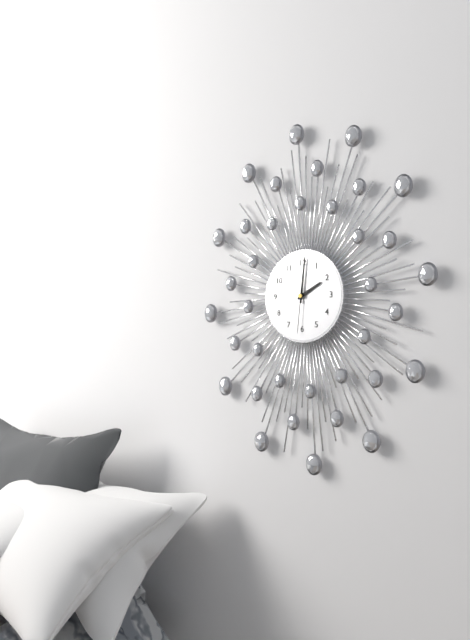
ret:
2:01
